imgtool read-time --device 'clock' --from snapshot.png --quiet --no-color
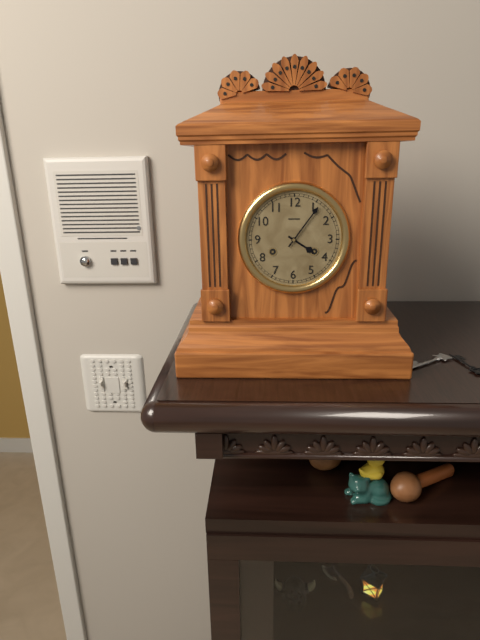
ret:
4:06
